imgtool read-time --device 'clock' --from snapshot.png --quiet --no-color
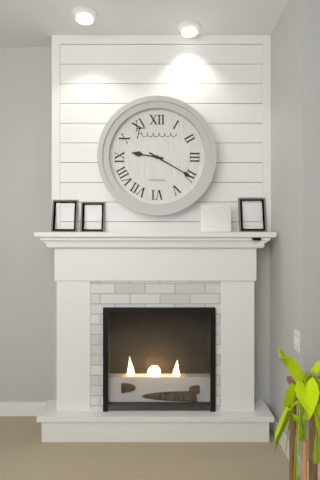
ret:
9:20
